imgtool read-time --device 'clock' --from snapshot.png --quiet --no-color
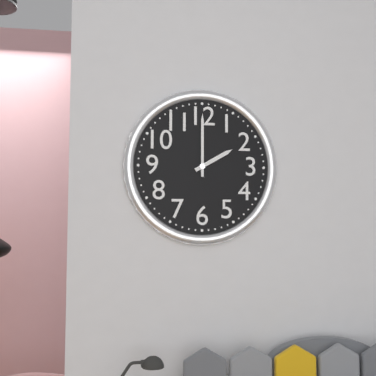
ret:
2:00
